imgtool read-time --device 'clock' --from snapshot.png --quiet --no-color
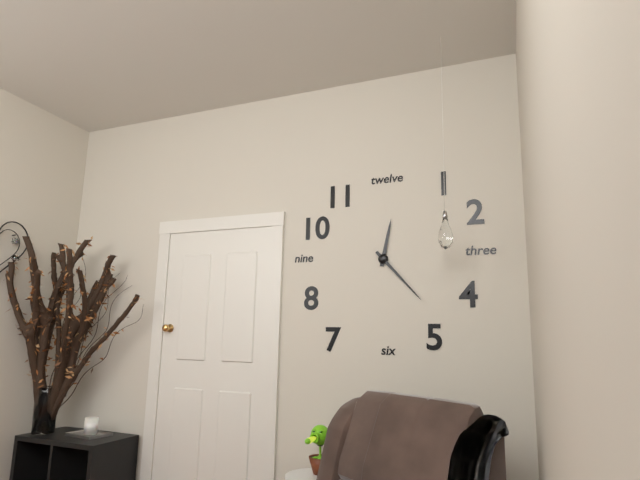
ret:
12:23
